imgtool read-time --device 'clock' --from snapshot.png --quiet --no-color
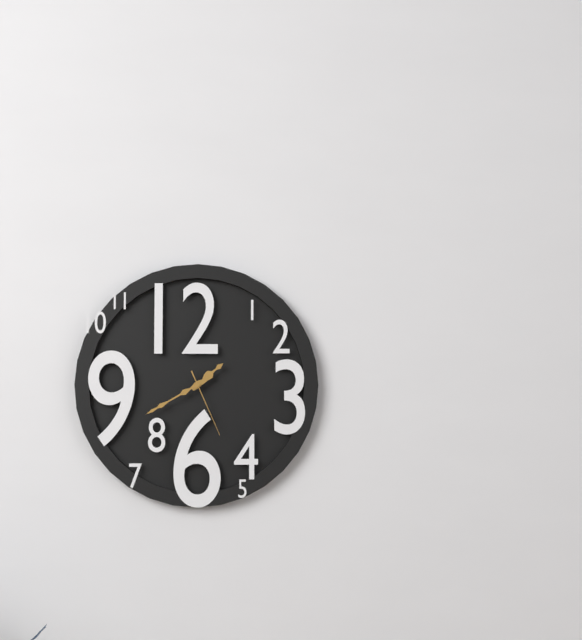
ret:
1:40:26
